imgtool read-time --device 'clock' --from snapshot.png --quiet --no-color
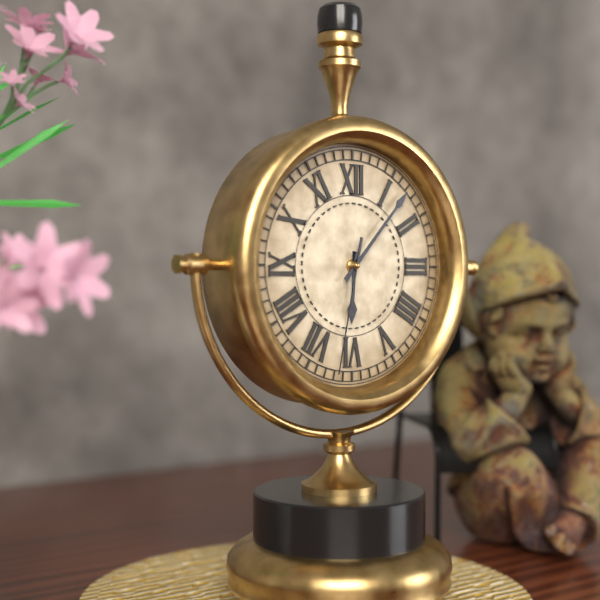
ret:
6:07:32
